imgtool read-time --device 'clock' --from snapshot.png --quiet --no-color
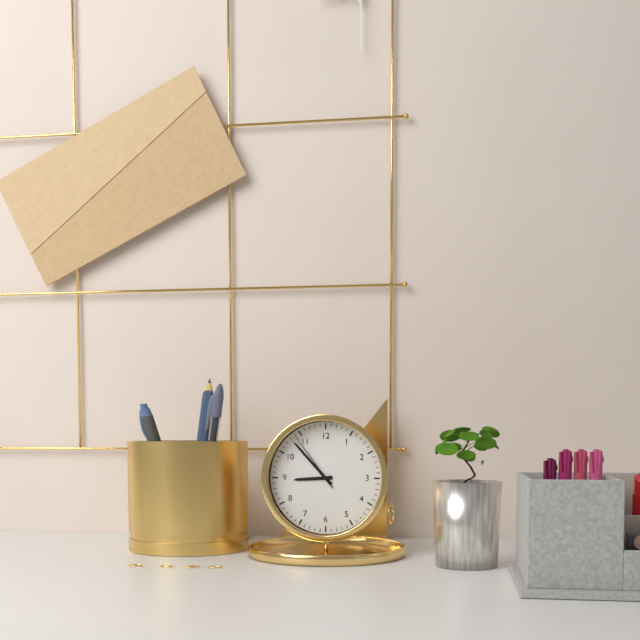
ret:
8:53:54
